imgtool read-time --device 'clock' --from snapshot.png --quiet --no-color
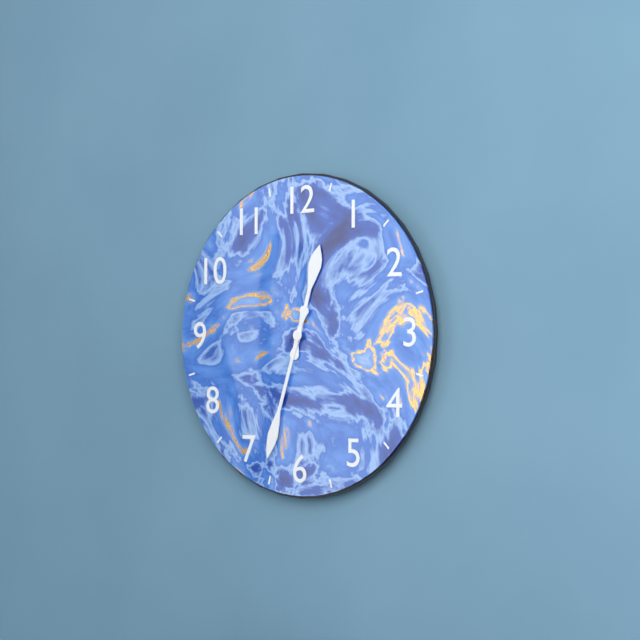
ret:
12:33
